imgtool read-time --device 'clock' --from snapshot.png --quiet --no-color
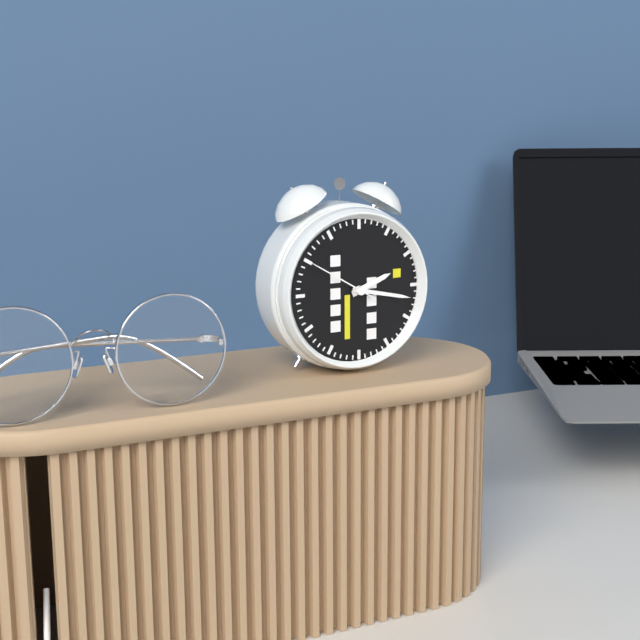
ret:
2:17:50
